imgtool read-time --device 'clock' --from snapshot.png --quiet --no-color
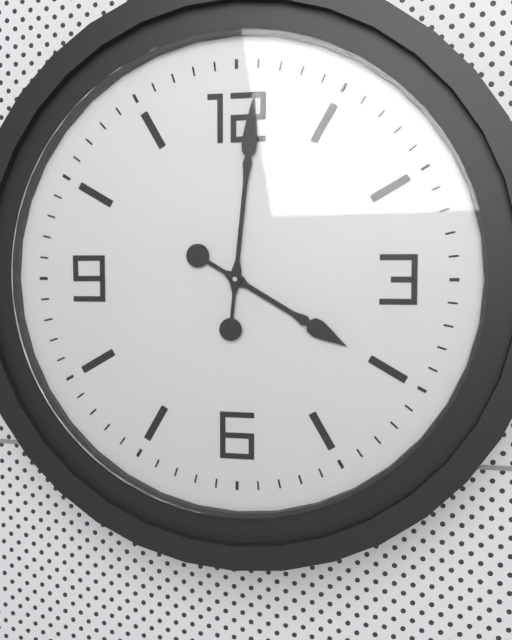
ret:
4:01
